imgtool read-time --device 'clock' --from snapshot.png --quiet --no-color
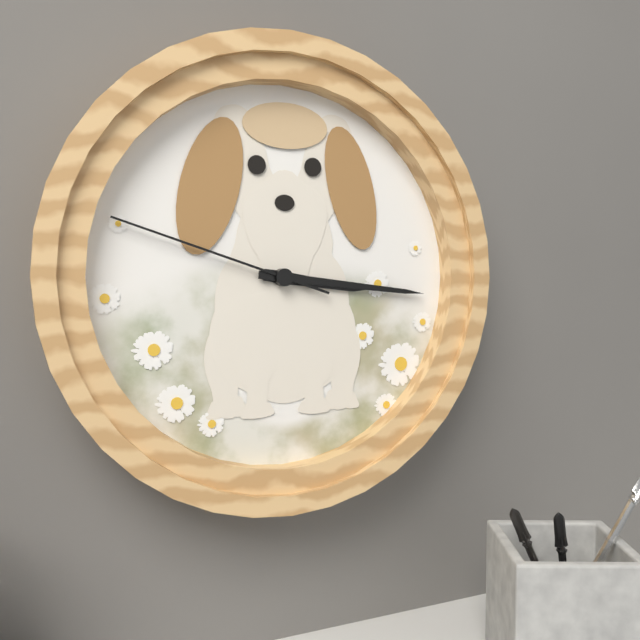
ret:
3:16:48
